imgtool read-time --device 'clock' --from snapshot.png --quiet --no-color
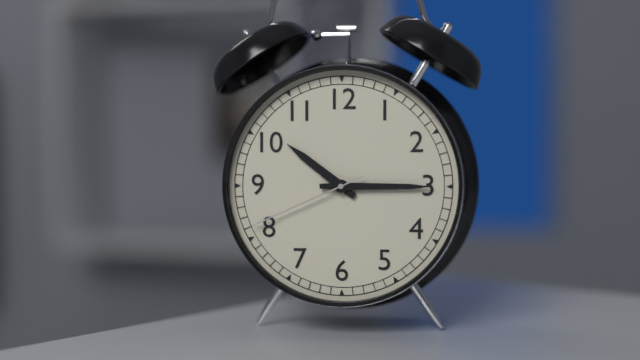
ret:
10:15:41
